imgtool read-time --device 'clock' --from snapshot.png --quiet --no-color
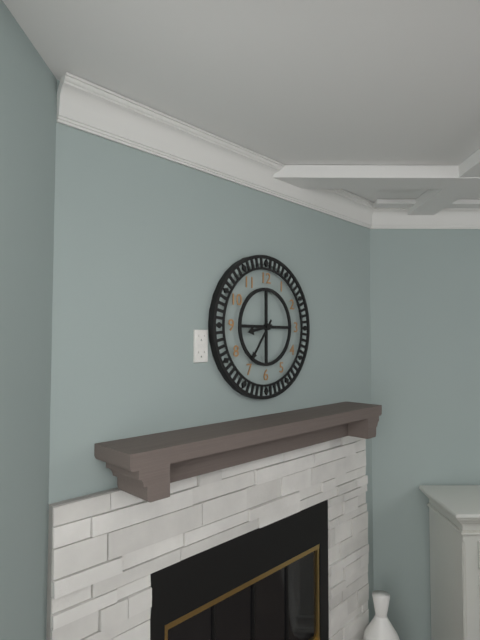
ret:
8:36
